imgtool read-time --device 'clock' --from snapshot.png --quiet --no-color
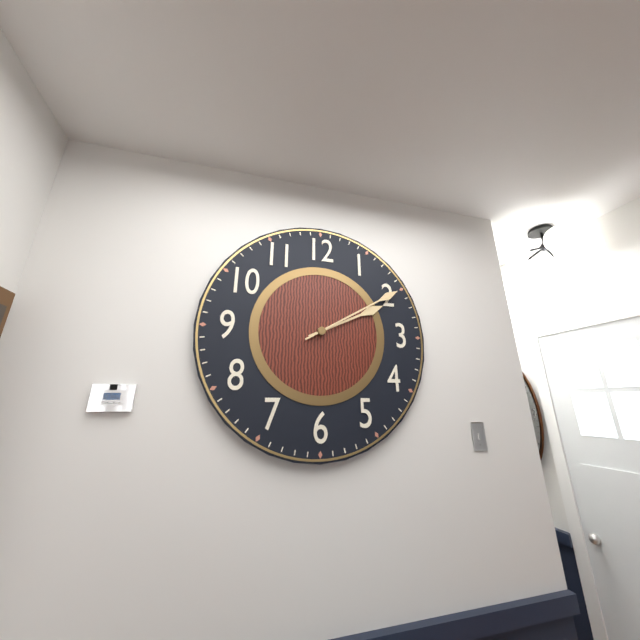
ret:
2:10
